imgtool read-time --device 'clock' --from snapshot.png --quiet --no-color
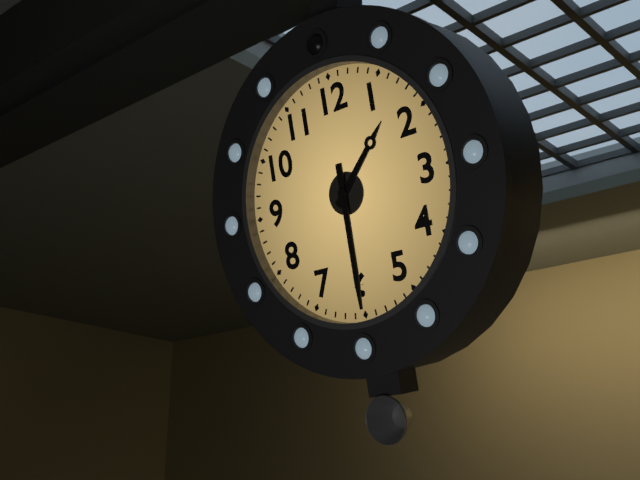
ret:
1:30
